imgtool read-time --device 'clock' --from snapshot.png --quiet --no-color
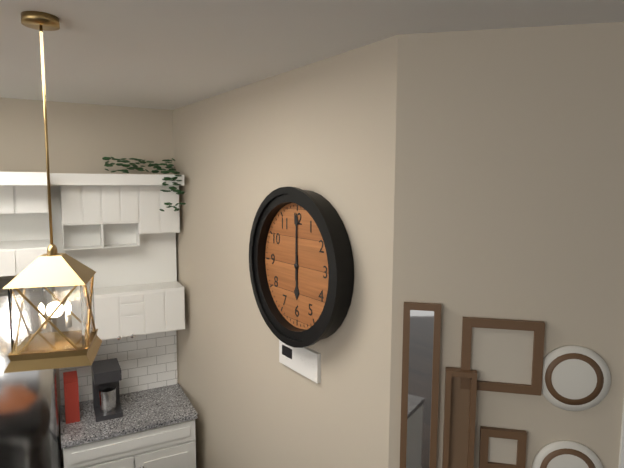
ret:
6:00
